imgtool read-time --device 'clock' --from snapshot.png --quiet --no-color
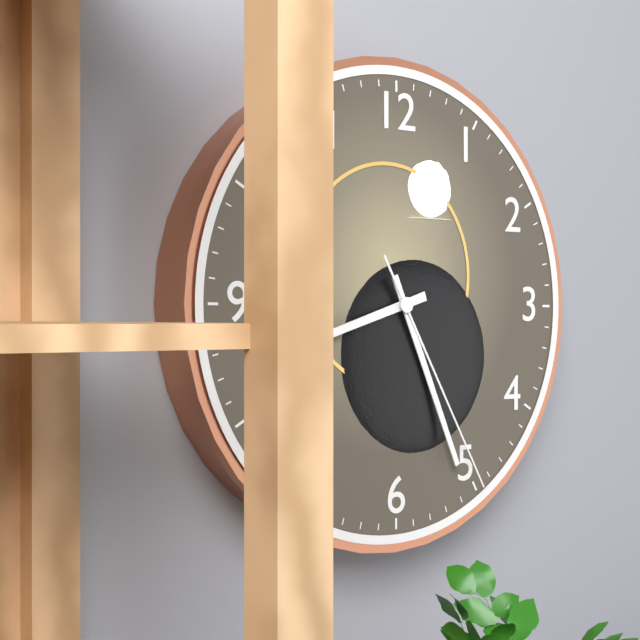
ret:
8:26:25
